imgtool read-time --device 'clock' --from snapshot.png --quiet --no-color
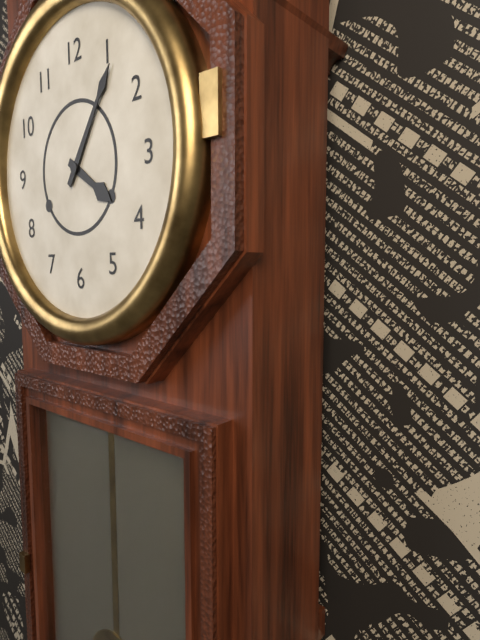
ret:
4:06
